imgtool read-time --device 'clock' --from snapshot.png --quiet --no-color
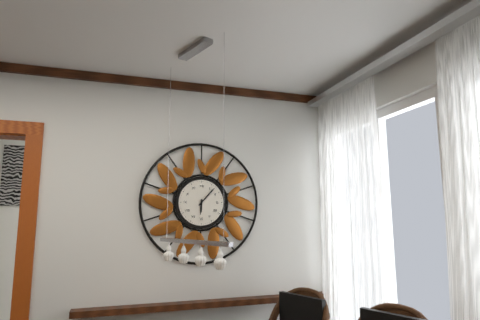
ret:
6:07
